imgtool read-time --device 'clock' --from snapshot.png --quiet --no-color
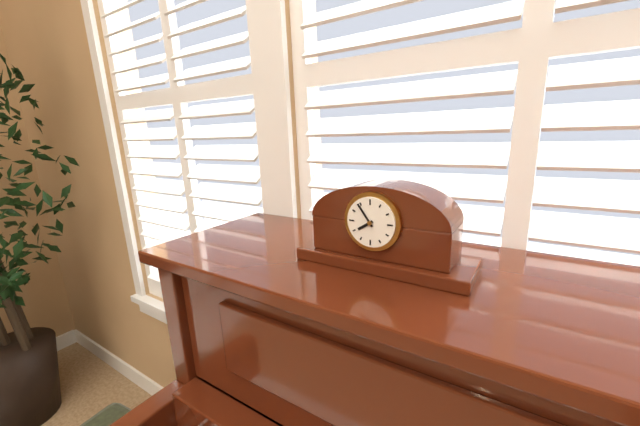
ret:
7:54
